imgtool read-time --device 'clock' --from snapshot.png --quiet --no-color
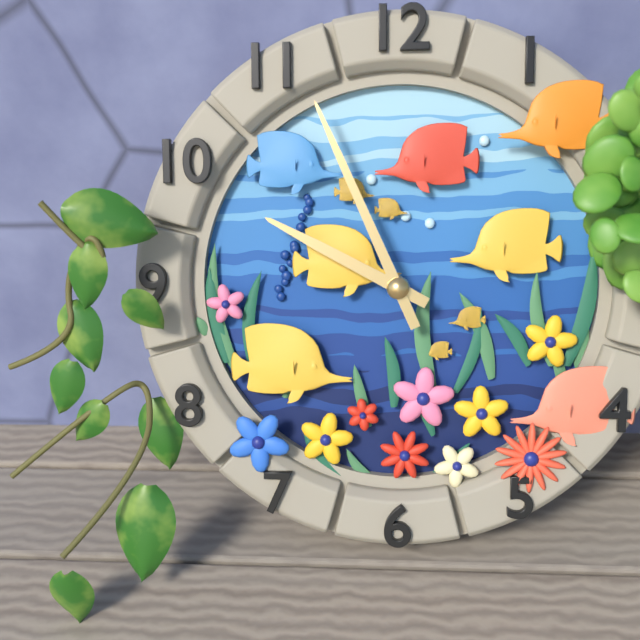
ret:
9:56
